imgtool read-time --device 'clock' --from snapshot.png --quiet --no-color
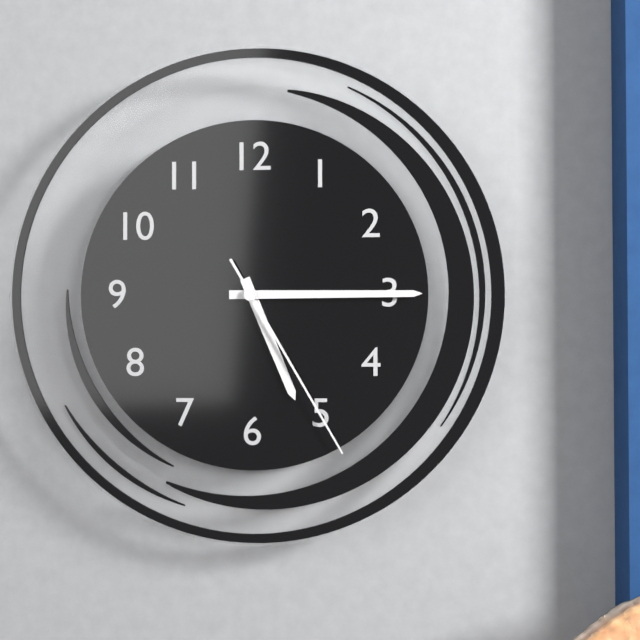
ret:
5:15:25
